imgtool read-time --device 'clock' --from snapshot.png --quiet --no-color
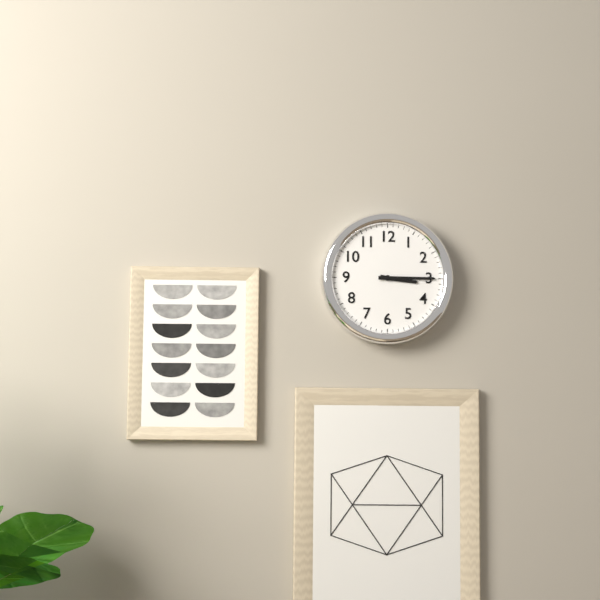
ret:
3:15
